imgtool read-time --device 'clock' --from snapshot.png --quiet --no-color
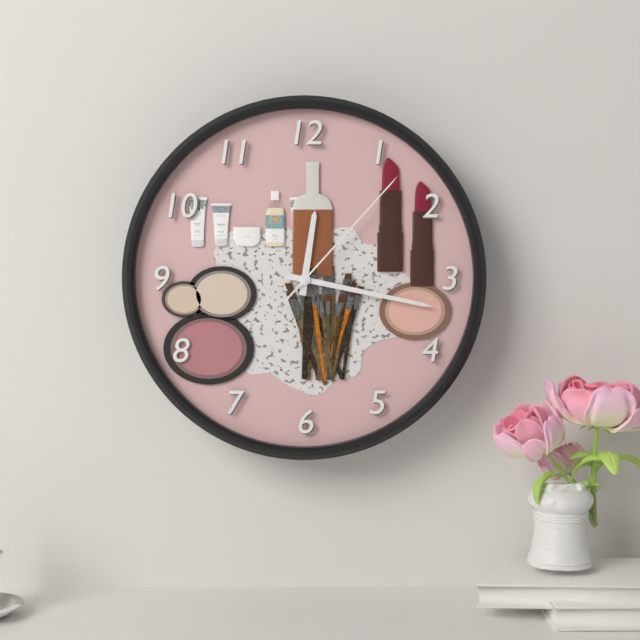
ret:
12:17:07
